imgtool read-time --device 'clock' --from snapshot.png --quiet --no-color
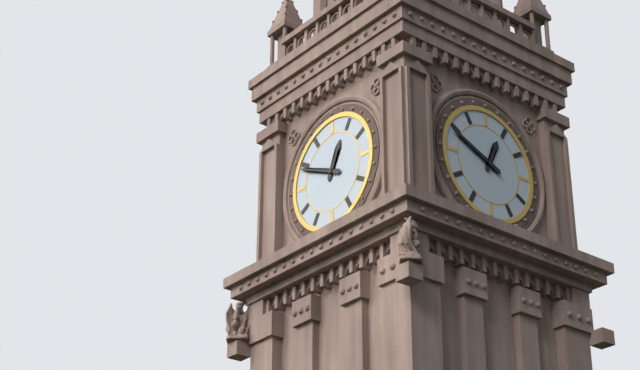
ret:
12:49
